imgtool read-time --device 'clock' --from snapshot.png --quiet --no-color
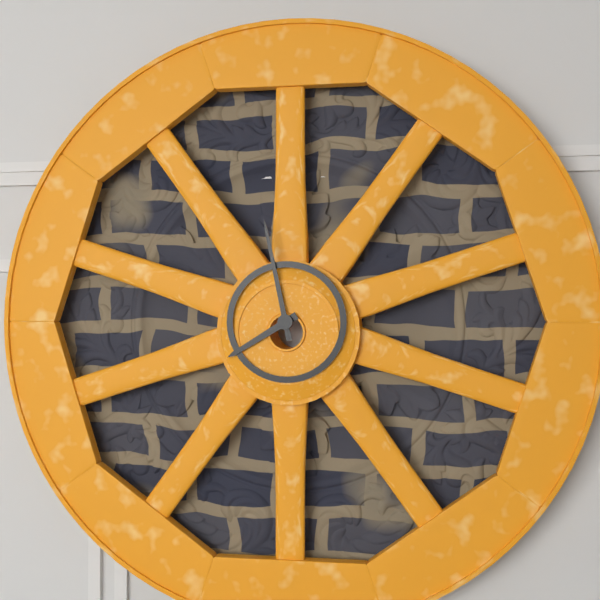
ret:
7:58
